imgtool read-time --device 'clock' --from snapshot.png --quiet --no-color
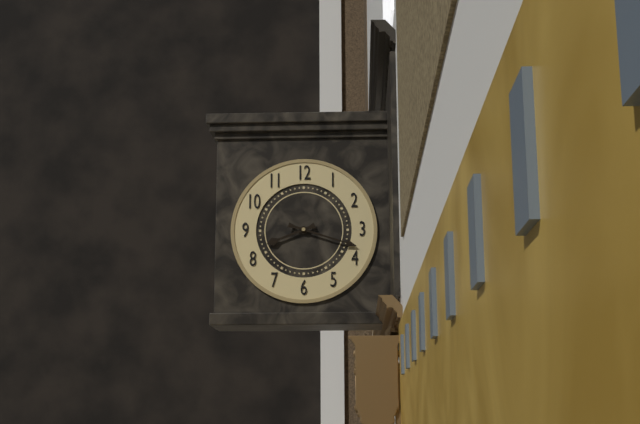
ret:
8:18
